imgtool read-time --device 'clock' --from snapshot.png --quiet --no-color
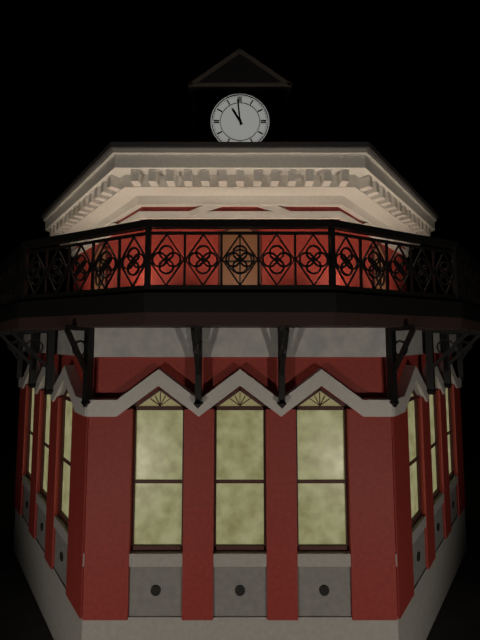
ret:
10:59
